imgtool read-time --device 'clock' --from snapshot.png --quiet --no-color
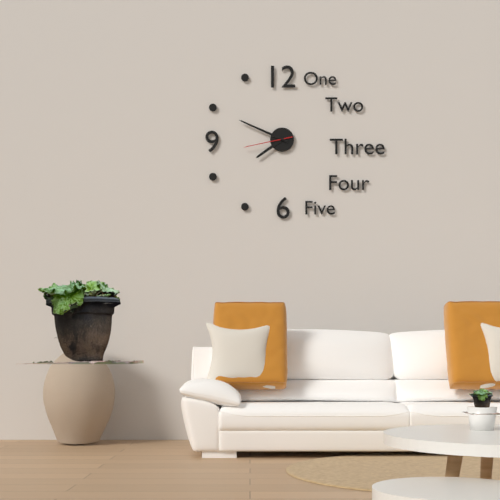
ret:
7:49:43
